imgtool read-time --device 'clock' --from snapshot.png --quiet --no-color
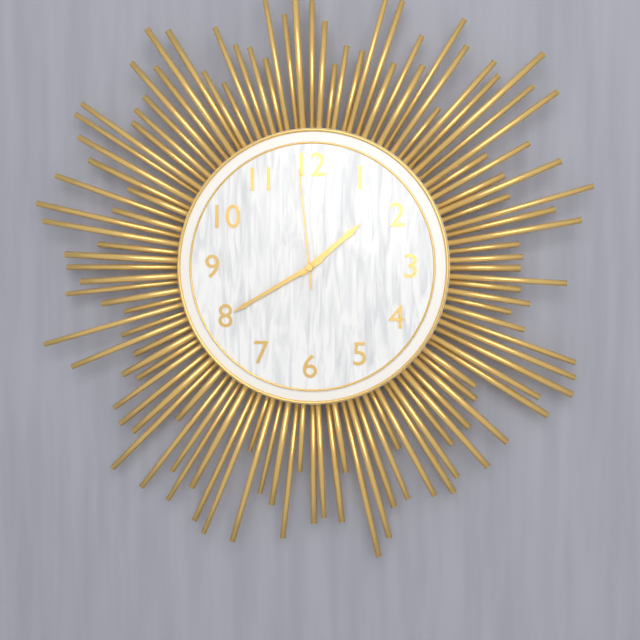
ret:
1:40:59
